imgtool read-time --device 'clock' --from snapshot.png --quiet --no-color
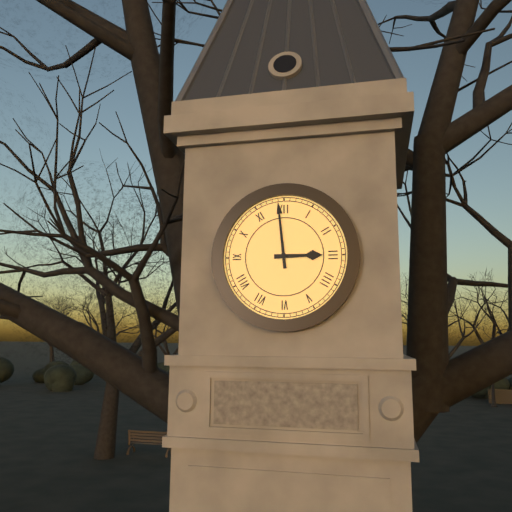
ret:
2:59
